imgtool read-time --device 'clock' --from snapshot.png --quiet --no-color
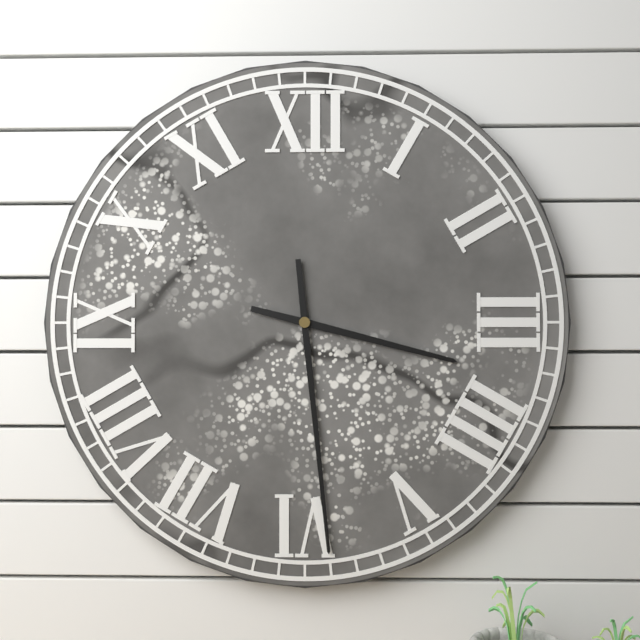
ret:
3:29
